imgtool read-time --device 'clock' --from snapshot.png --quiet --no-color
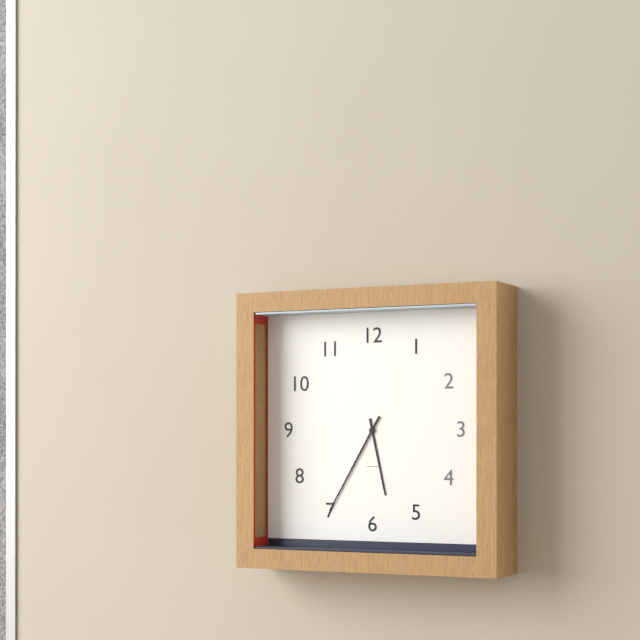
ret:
5:35
